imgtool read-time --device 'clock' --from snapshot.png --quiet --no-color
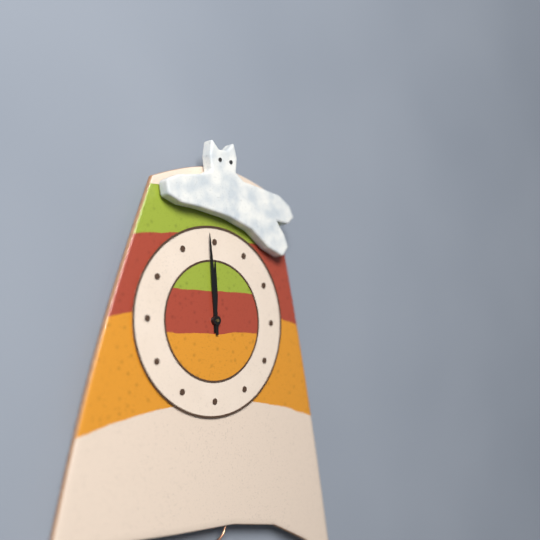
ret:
11:59
